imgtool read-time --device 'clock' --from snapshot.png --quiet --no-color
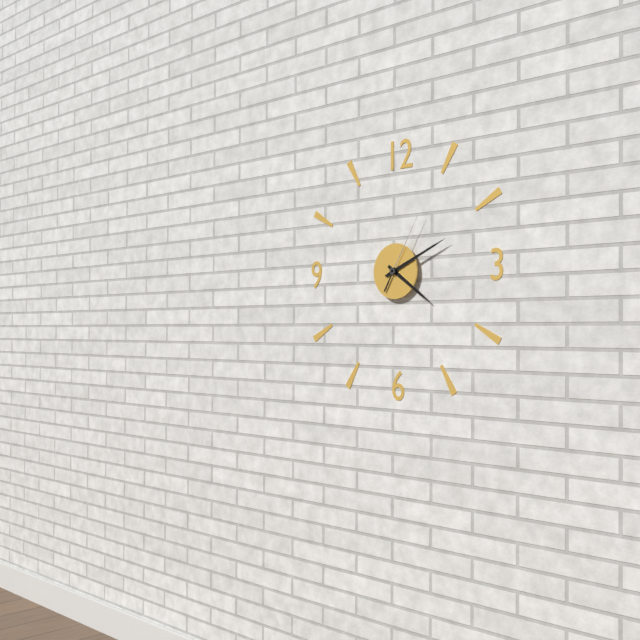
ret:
4:11:05
